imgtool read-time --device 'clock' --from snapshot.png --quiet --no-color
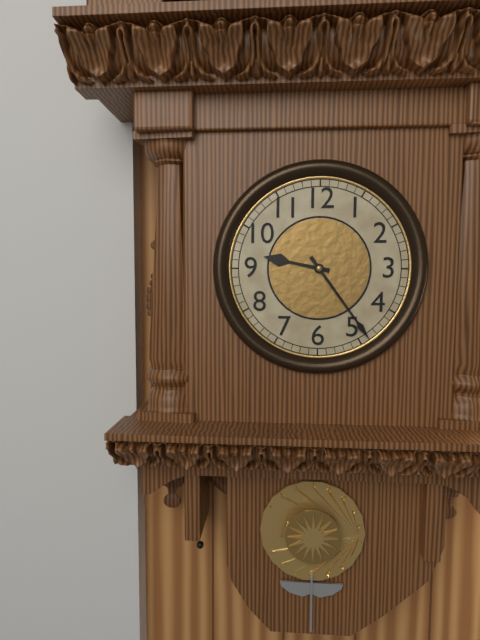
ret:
9:24
